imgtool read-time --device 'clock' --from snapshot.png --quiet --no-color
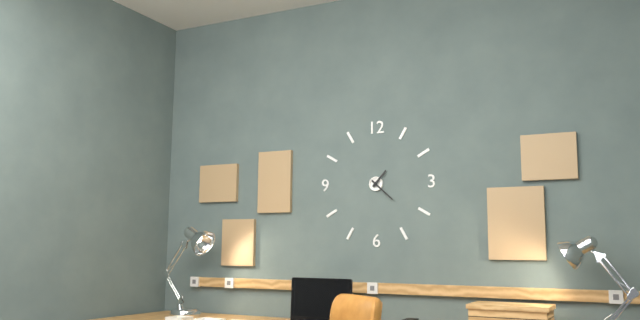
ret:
1:22
